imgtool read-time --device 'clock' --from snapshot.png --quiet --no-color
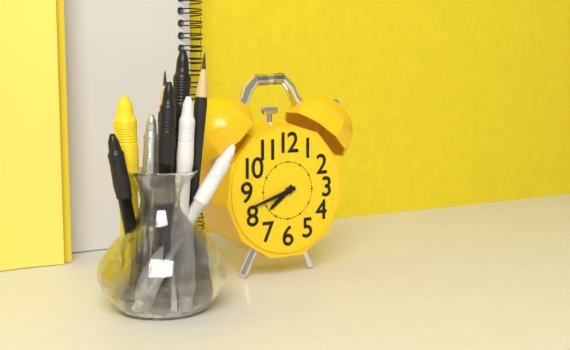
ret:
7:42
